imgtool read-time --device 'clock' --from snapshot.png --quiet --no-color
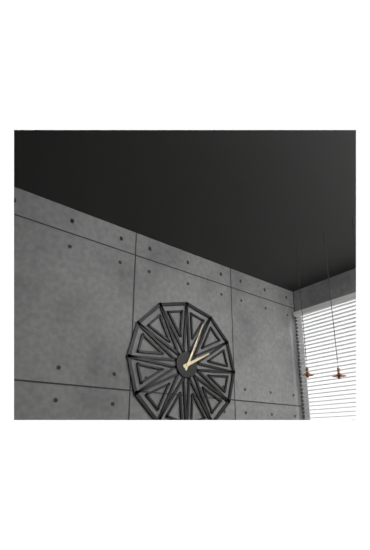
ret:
2:04
